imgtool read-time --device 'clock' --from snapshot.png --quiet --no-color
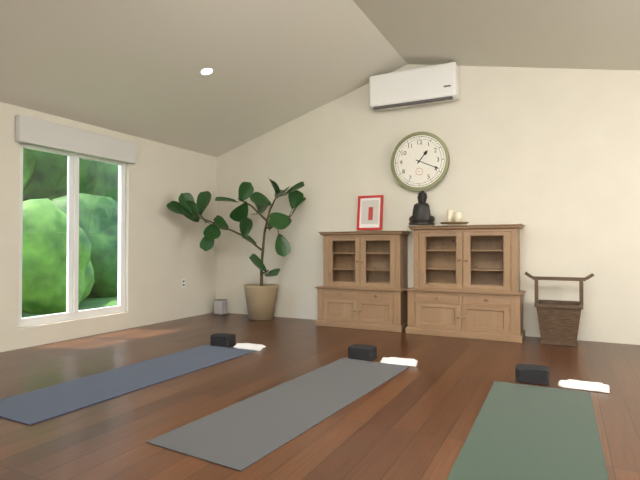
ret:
1:19
